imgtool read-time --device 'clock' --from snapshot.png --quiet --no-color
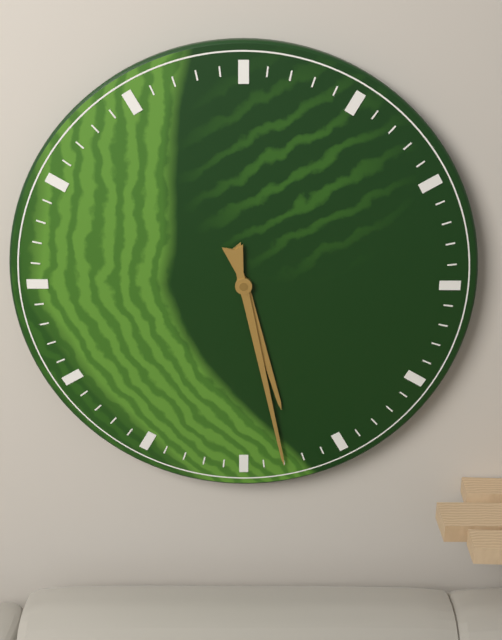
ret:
5:28
